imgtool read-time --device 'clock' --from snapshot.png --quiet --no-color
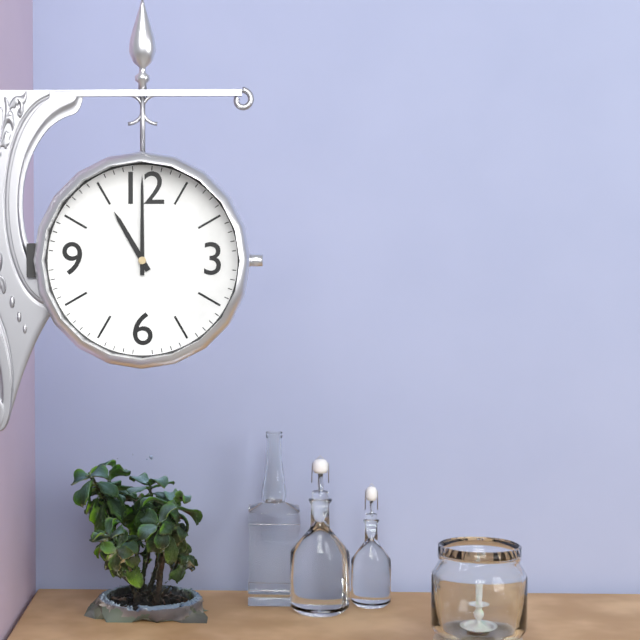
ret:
11:00
